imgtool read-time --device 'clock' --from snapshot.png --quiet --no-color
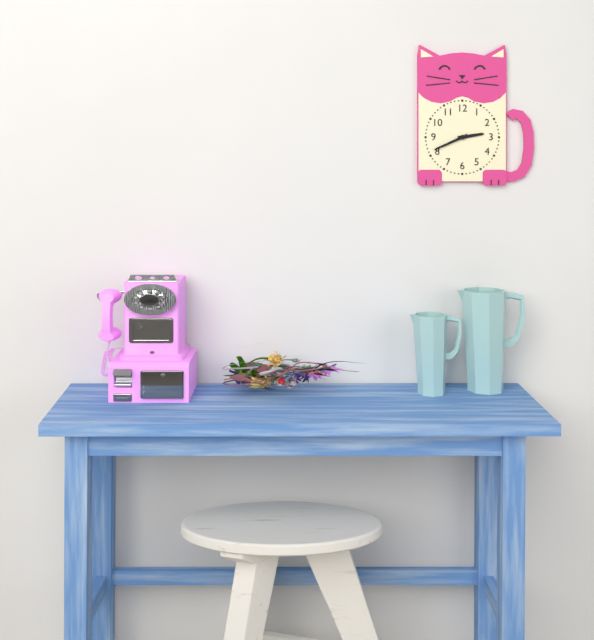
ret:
2:41
